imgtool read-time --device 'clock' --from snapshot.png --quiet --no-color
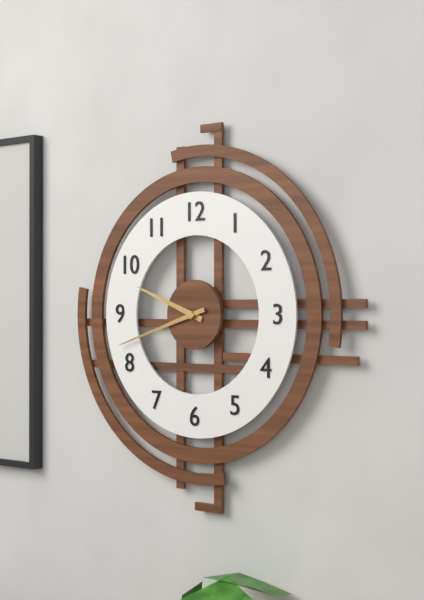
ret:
9:42
